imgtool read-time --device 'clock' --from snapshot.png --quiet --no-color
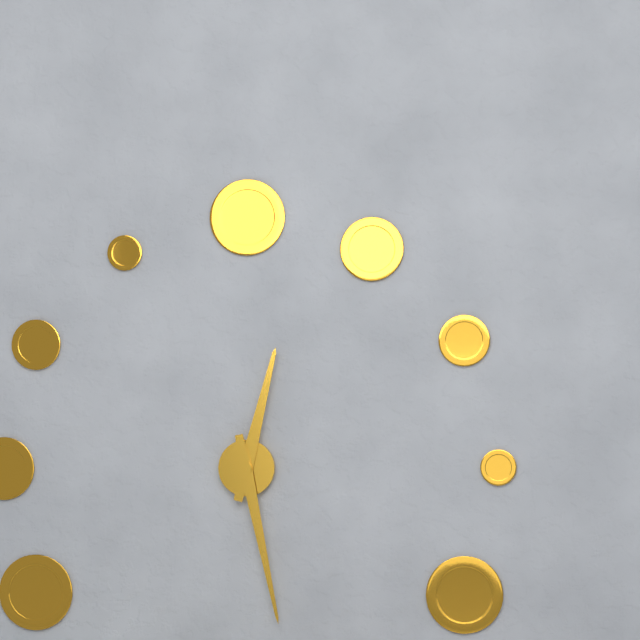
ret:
12:28
